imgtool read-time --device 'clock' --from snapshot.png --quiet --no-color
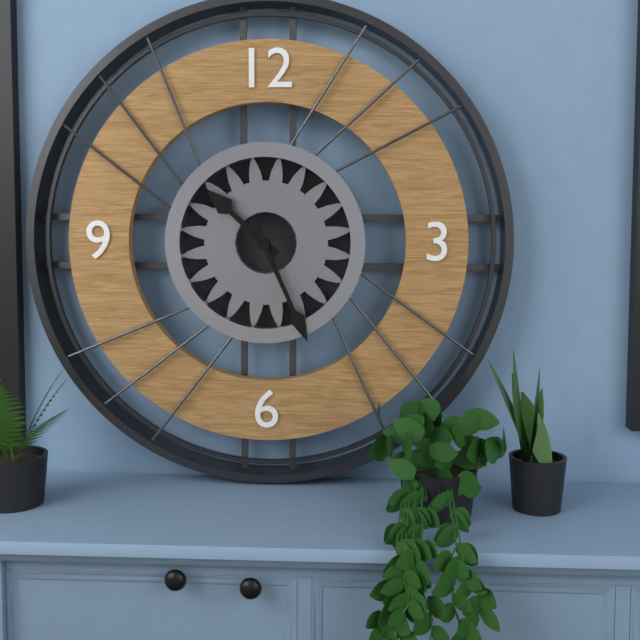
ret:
10:26
